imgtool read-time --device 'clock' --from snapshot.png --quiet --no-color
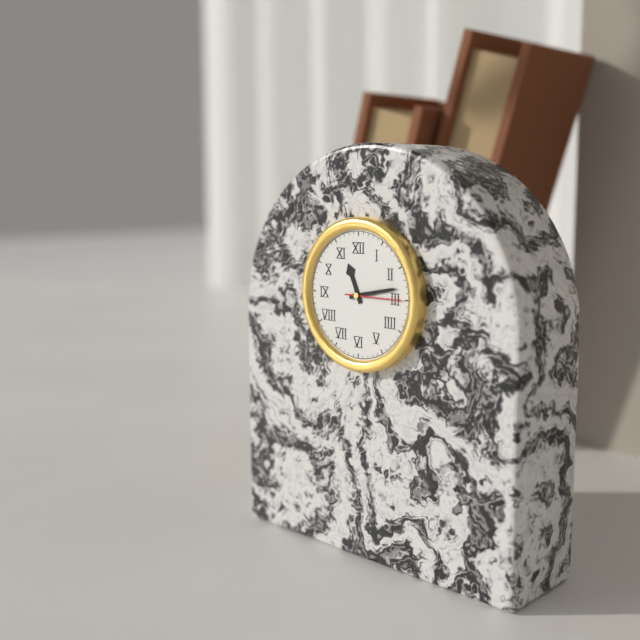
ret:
11:13:15
